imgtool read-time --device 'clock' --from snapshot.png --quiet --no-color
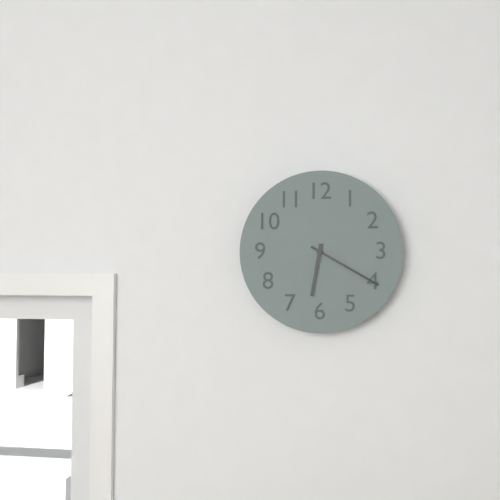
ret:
6:20
